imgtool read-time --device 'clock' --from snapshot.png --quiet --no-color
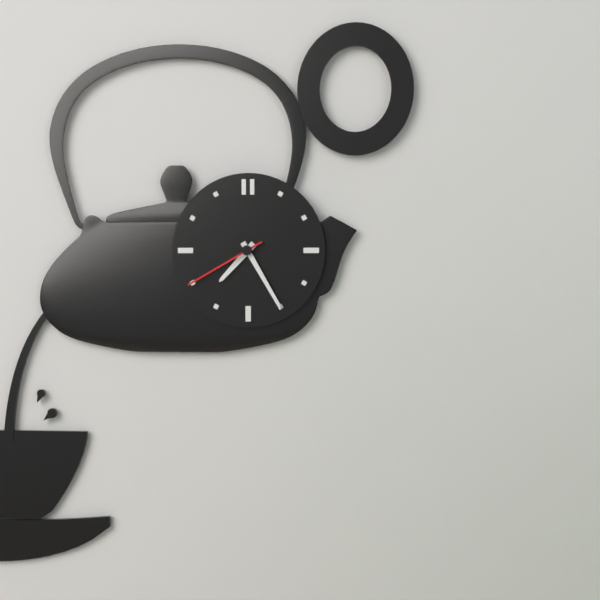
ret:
7:25:40
